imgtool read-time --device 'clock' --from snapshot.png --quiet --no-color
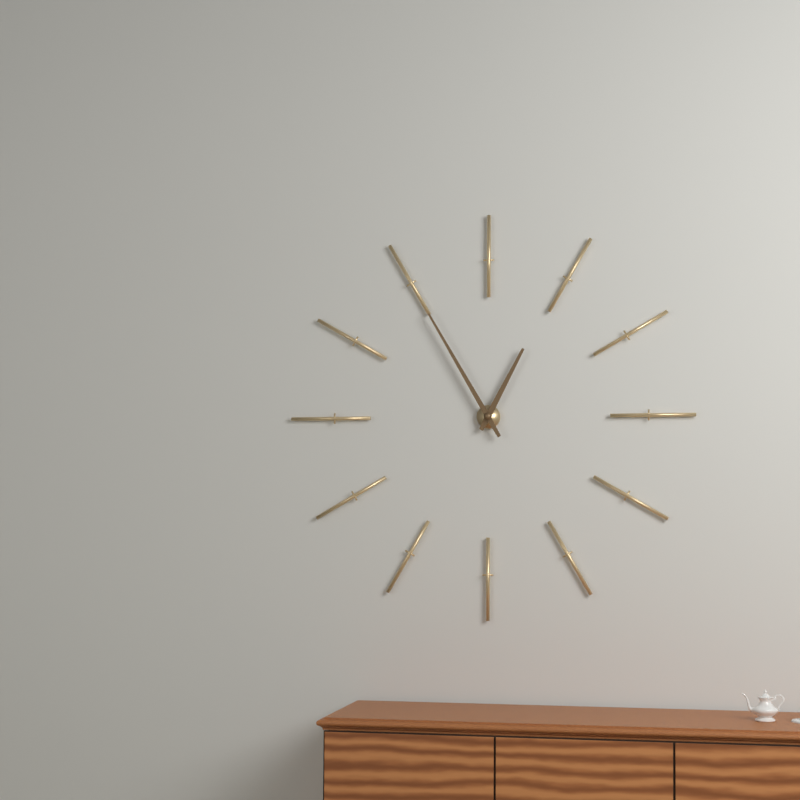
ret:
12:55
